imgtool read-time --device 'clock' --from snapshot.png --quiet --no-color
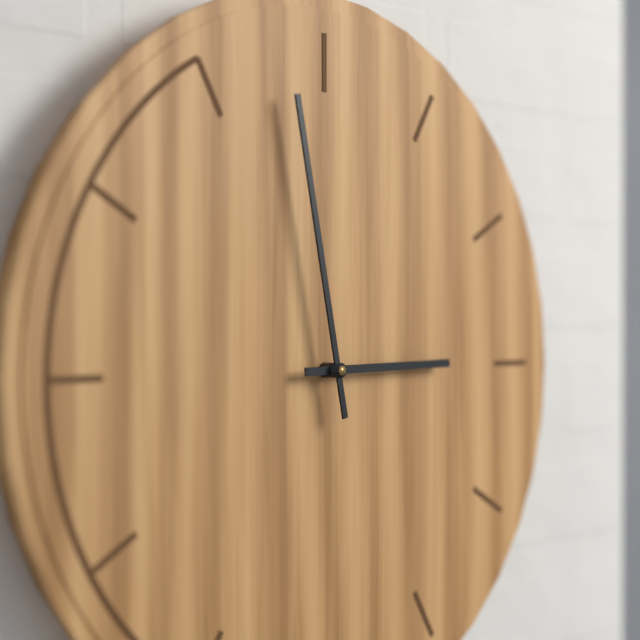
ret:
2:58
